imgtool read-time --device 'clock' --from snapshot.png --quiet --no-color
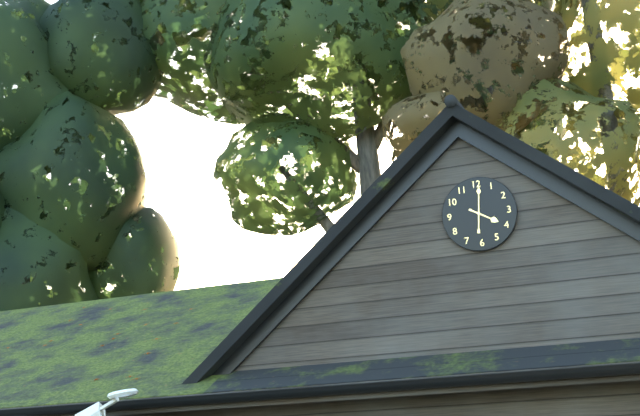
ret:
4:01
